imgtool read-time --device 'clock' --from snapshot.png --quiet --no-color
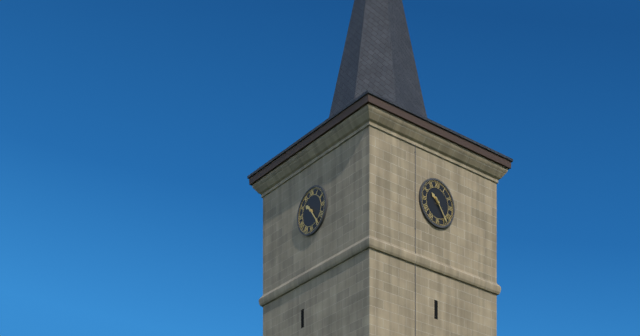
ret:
10:24
